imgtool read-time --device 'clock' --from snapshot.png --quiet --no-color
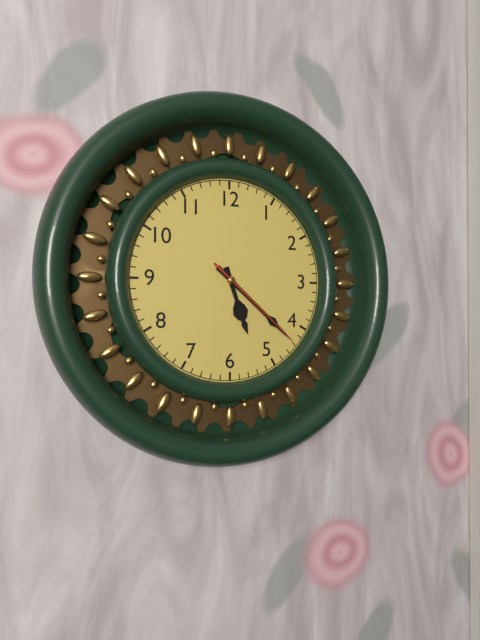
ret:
5:22:22
